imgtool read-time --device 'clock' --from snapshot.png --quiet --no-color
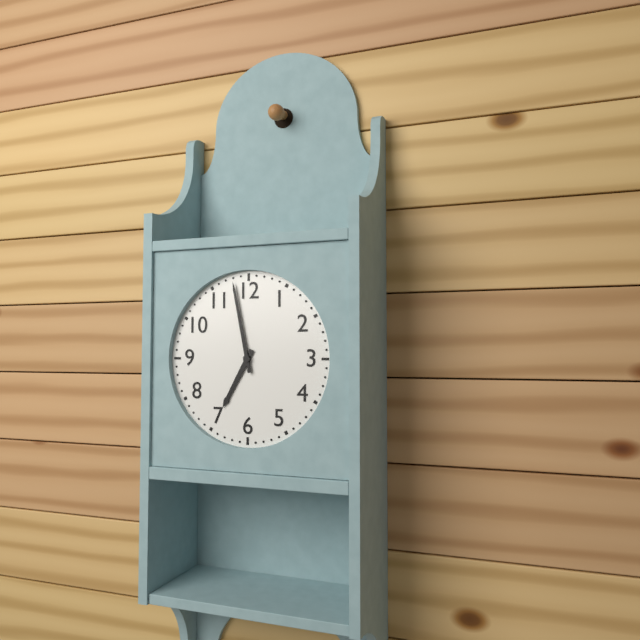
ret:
6:58
